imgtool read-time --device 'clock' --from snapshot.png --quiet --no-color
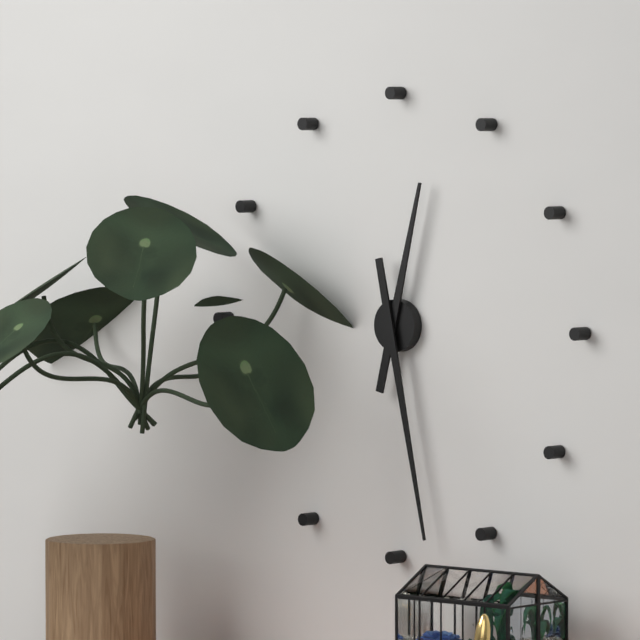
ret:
12:28
